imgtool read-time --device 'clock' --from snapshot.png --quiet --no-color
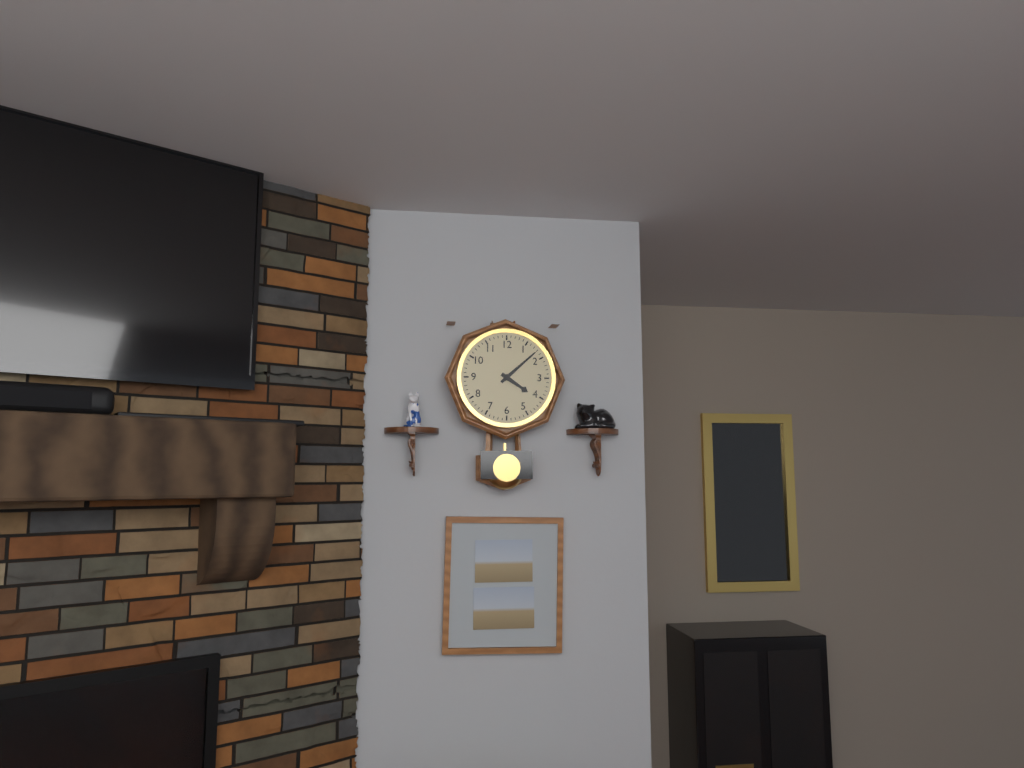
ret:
4:08
